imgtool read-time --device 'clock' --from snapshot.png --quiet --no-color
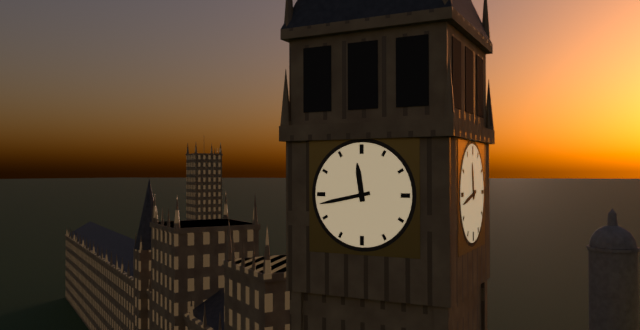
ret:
11:43
